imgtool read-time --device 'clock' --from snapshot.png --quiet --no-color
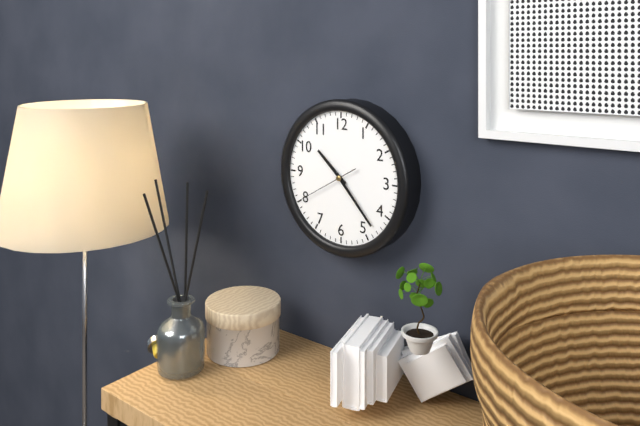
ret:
10:23:40
